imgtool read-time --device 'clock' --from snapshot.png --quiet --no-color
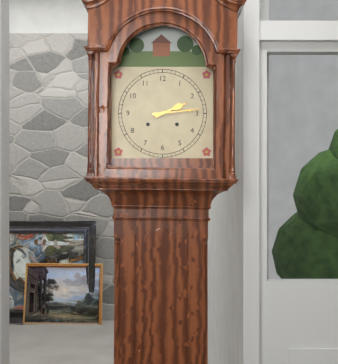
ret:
2:14
